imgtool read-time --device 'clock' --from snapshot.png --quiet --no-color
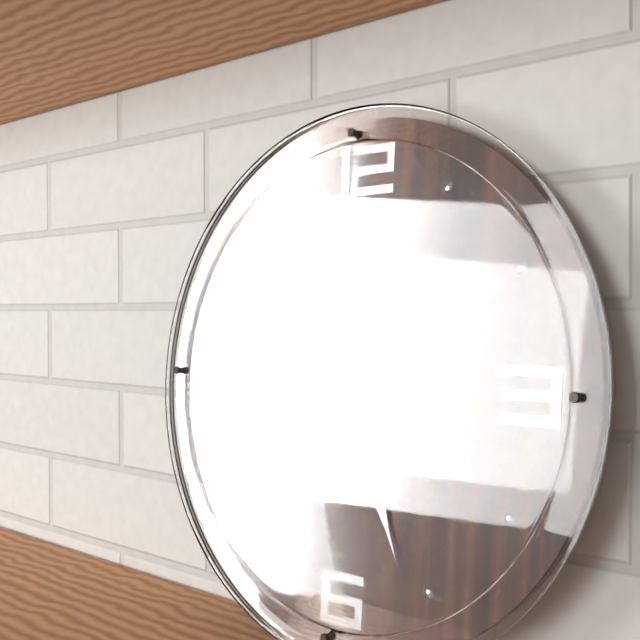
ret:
1:26:13
